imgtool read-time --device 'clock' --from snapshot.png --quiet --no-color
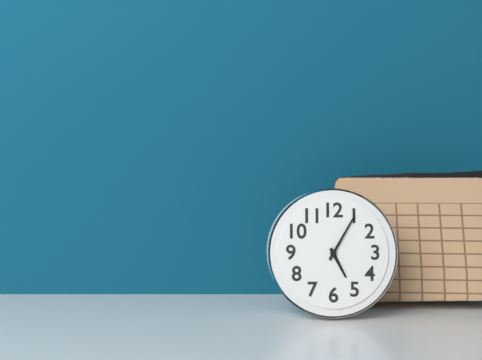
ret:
5:05
